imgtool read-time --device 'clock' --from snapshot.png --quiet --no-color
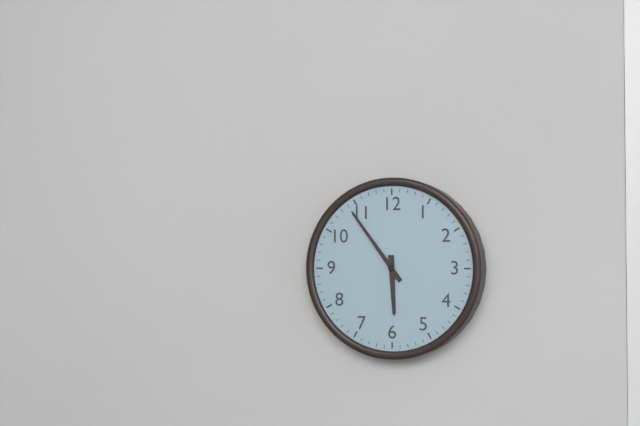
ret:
5:54
